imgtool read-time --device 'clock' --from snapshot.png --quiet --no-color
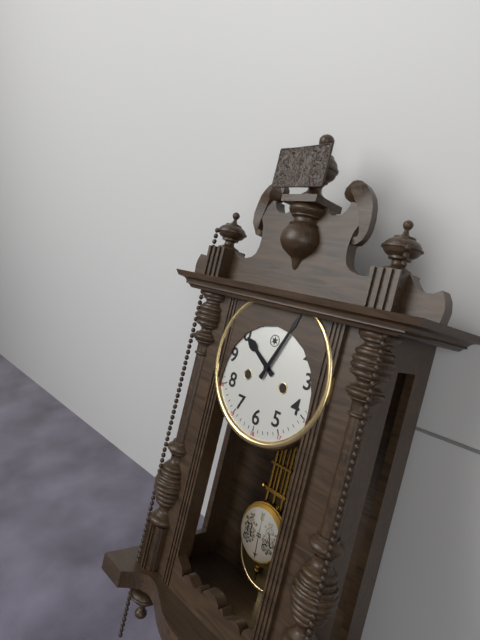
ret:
10:04
